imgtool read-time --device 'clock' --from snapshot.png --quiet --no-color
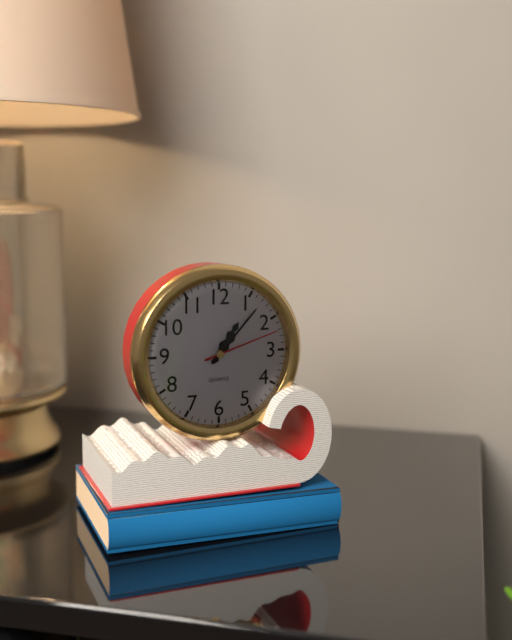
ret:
1:07:12
